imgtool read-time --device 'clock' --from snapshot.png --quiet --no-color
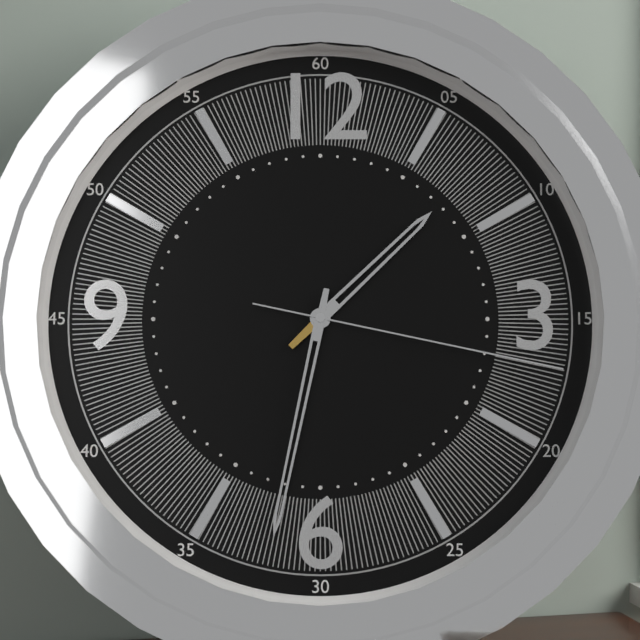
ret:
1:32:17
